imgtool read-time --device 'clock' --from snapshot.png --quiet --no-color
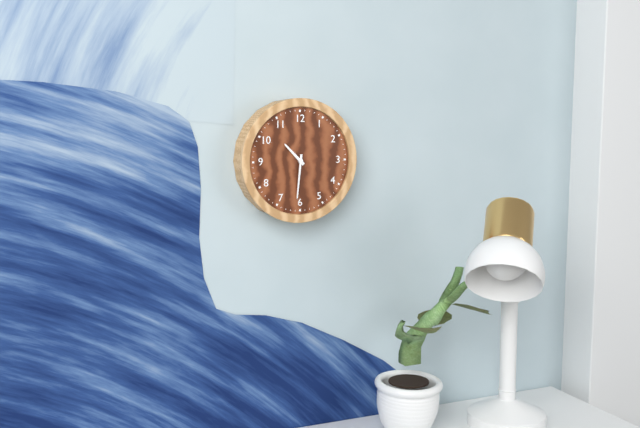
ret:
10:31
